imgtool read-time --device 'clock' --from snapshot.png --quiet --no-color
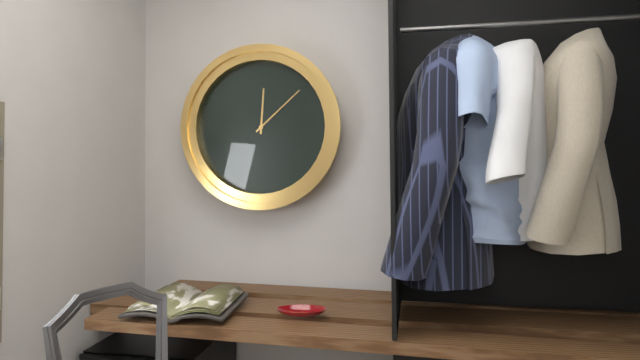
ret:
12:08
